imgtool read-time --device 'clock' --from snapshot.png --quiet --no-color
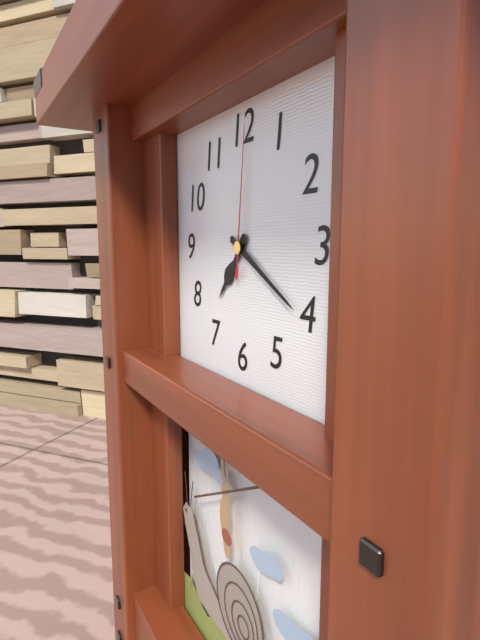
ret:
7:20:01
